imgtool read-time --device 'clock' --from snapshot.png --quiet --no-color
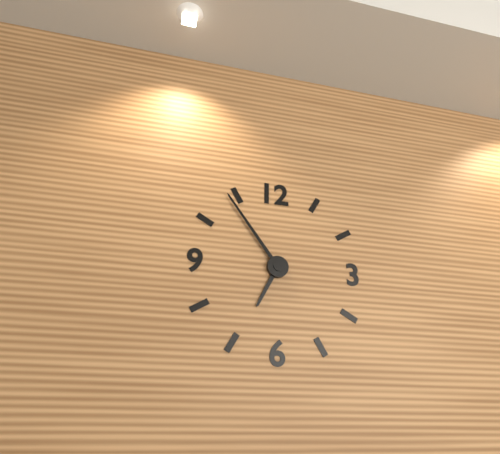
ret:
6:54
